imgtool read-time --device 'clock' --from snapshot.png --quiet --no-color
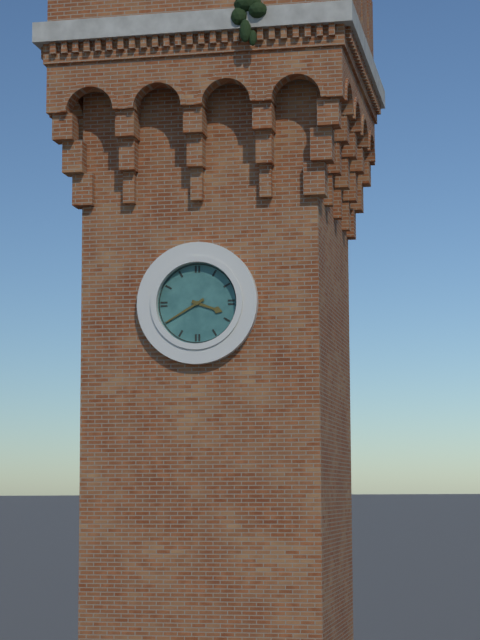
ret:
3:40
